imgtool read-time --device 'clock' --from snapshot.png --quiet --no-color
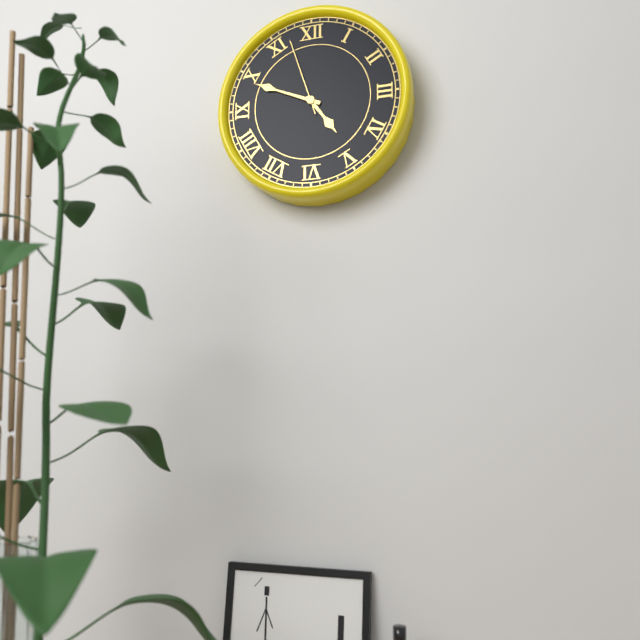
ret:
4:49:57
